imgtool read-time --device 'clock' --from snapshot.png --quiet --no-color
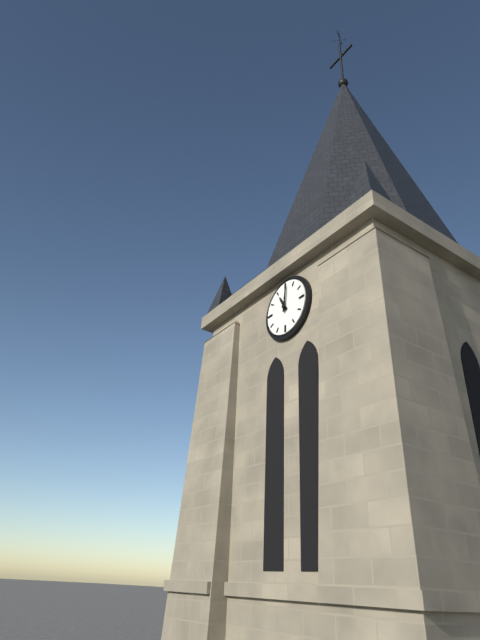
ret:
11:01
